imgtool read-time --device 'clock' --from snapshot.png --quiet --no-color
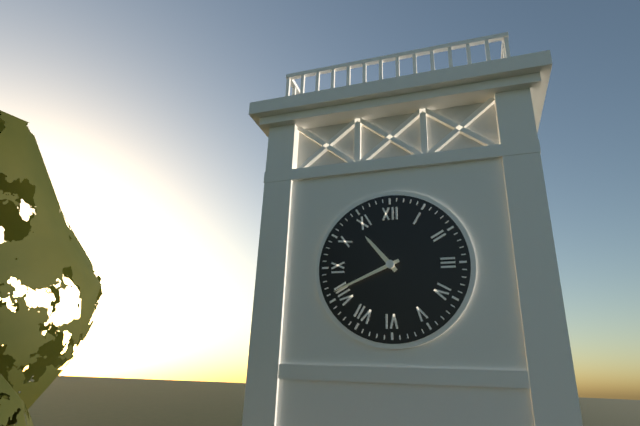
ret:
10:41
